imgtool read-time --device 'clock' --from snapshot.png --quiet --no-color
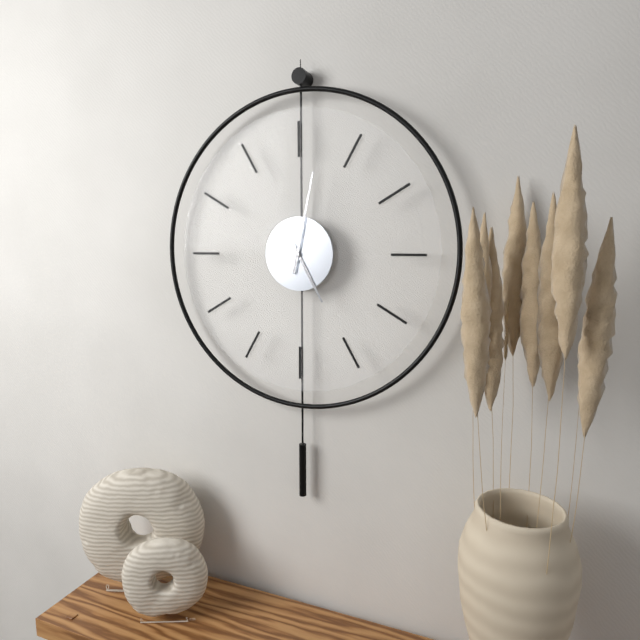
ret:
5:02
